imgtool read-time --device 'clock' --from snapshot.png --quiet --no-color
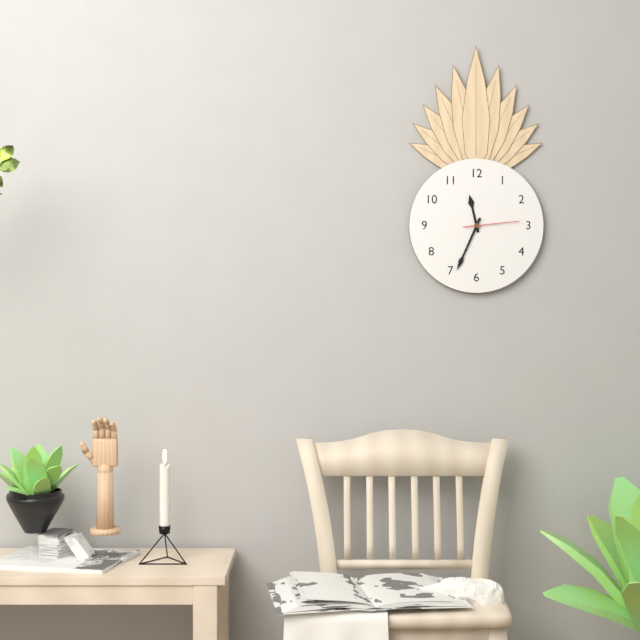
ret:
11:34:14
